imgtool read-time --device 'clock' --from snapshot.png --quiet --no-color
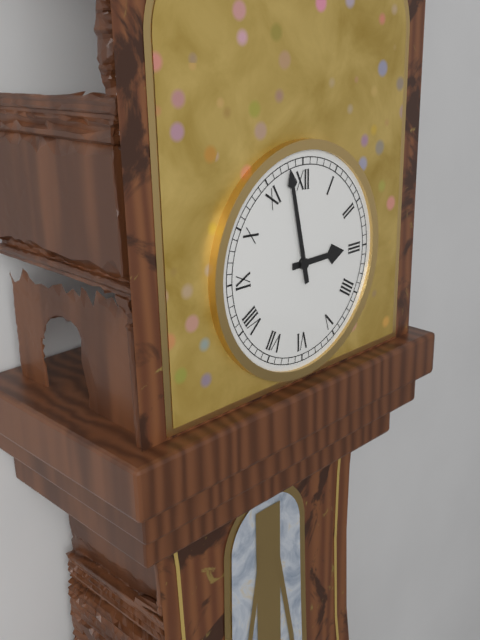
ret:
2:58
